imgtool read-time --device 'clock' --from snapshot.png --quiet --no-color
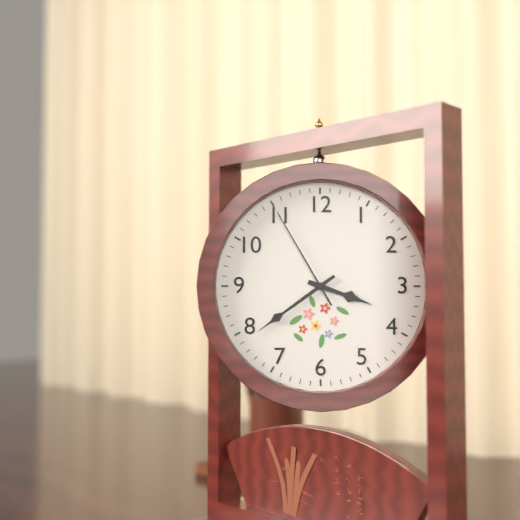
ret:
3:39:55
